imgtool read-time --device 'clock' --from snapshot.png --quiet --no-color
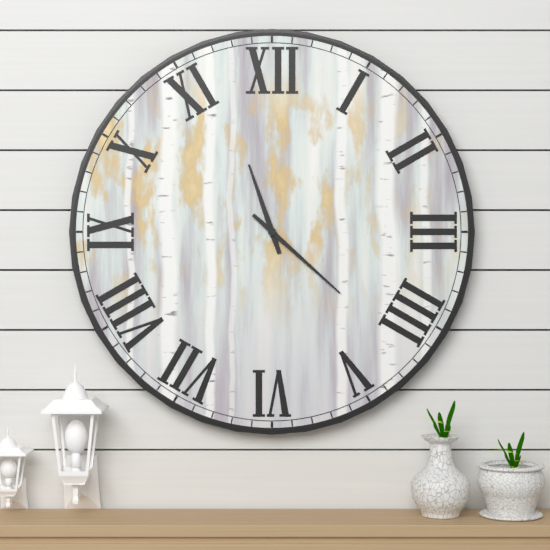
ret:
11:22
